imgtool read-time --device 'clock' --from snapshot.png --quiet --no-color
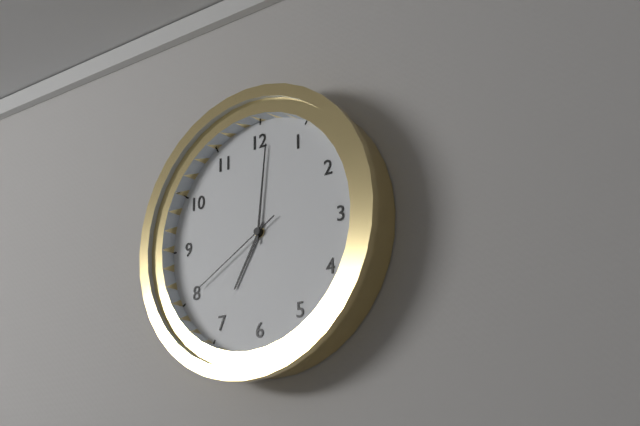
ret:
7:01:40
